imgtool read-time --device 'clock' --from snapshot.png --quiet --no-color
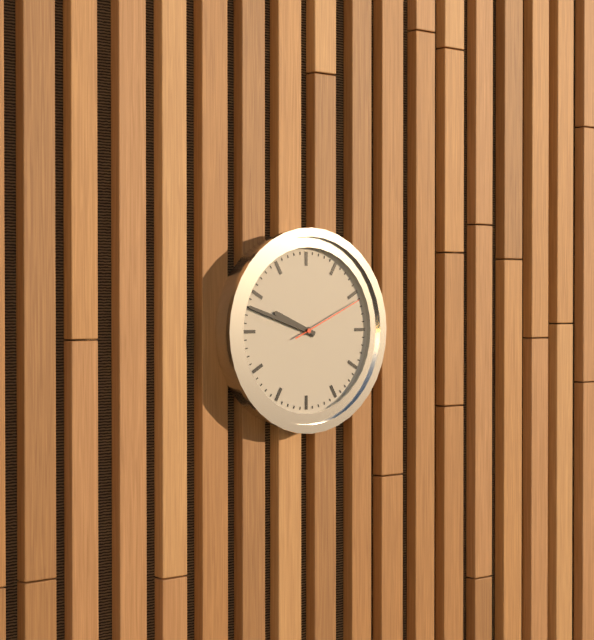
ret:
9:48:11
